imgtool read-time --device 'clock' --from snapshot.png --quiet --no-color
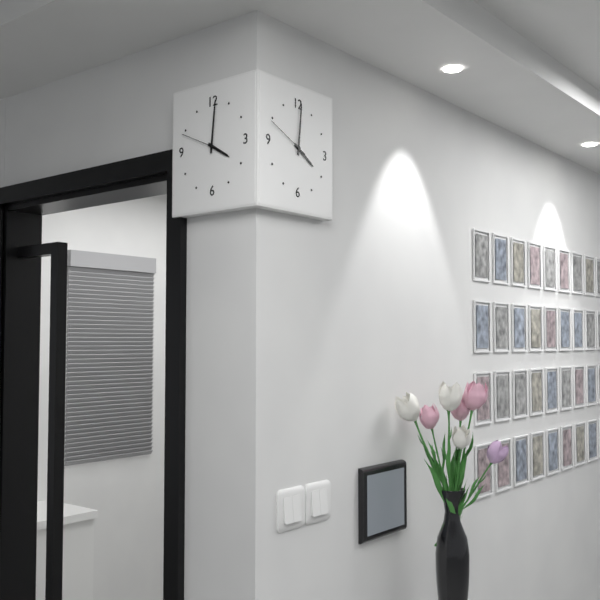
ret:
4:01
